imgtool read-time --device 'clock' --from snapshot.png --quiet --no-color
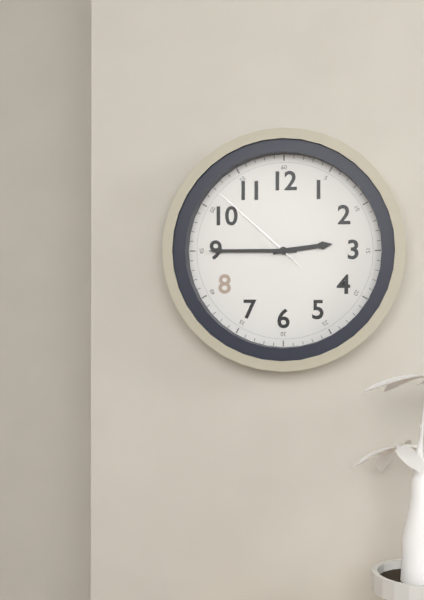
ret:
2:45:52
